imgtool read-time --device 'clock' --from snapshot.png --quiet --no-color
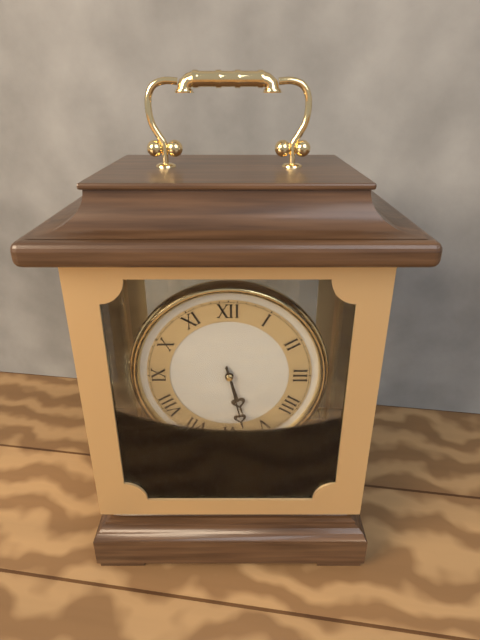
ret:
5:28
